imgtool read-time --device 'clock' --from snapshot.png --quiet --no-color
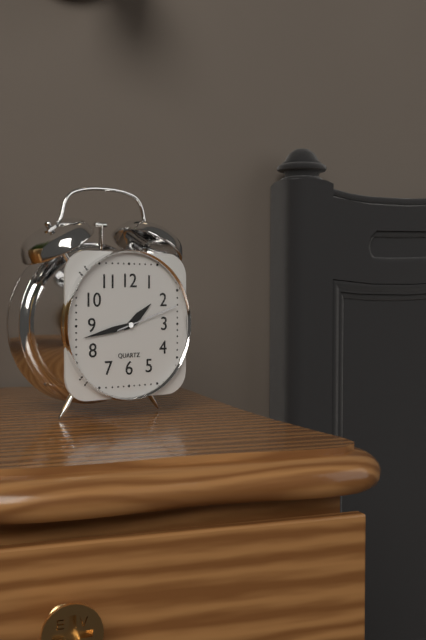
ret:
1:43:12
